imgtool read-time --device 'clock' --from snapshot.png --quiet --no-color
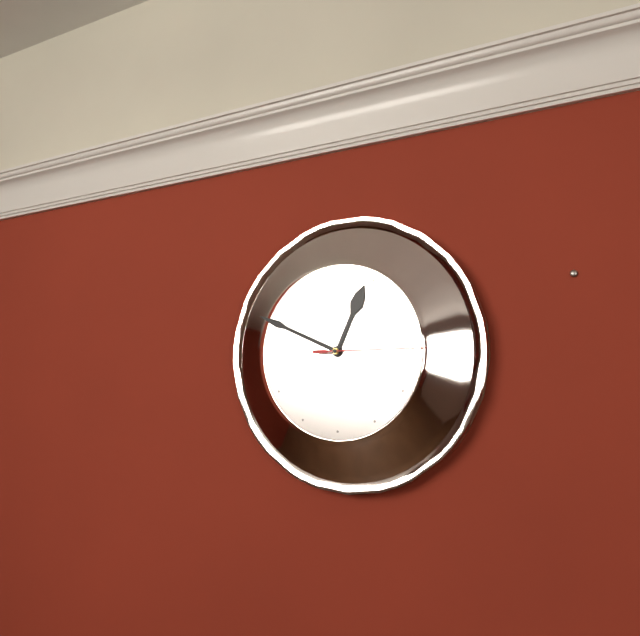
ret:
12:49:15
